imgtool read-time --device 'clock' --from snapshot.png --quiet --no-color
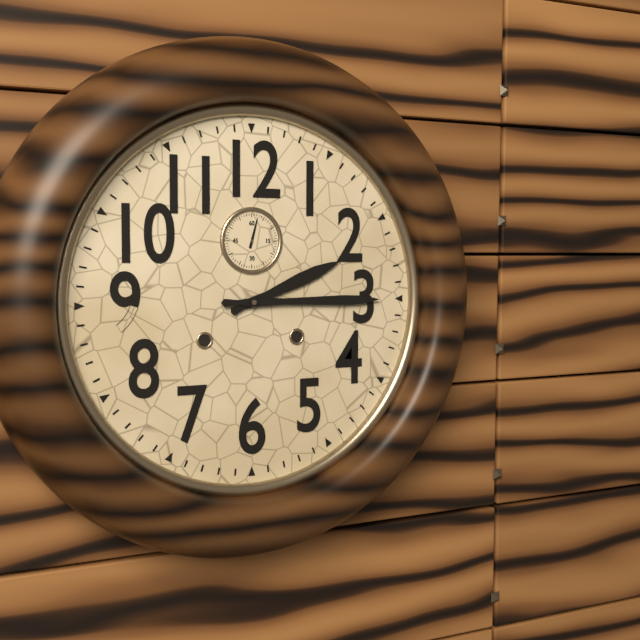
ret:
2:15
